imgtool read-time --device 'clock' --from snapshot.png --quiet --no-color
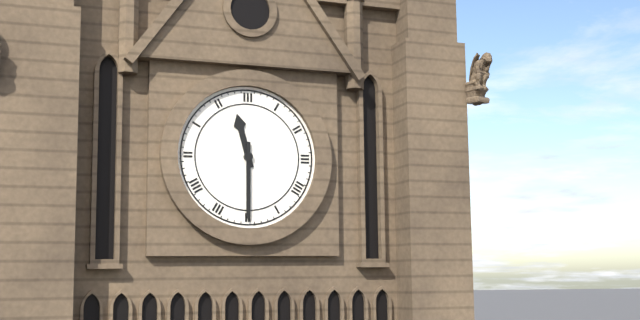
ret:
11:30
